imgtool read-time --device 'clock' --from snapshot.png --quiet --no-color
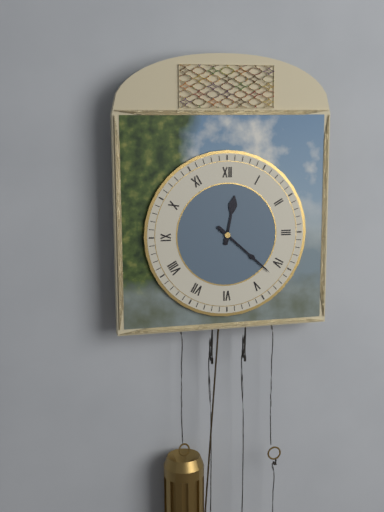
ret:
12:22
